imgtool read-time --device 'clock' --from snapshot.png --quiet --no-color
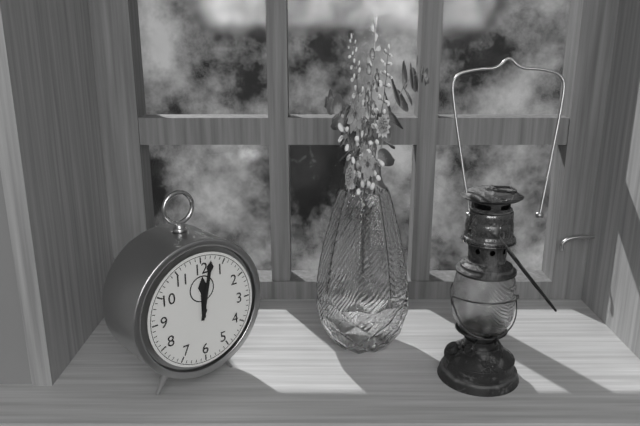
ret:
12:02
